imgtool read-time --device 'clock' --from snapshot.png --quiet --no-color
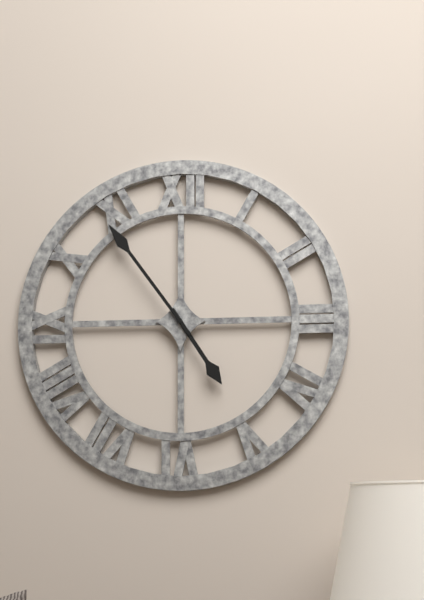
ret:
4:54
